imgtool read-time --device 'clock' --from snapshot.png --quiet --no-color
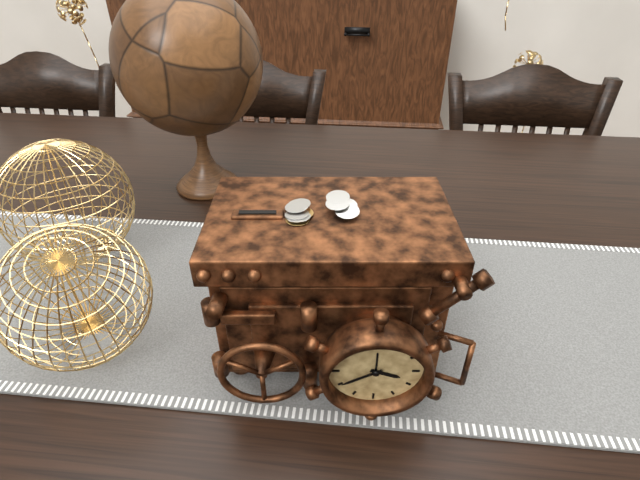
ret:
3:40
